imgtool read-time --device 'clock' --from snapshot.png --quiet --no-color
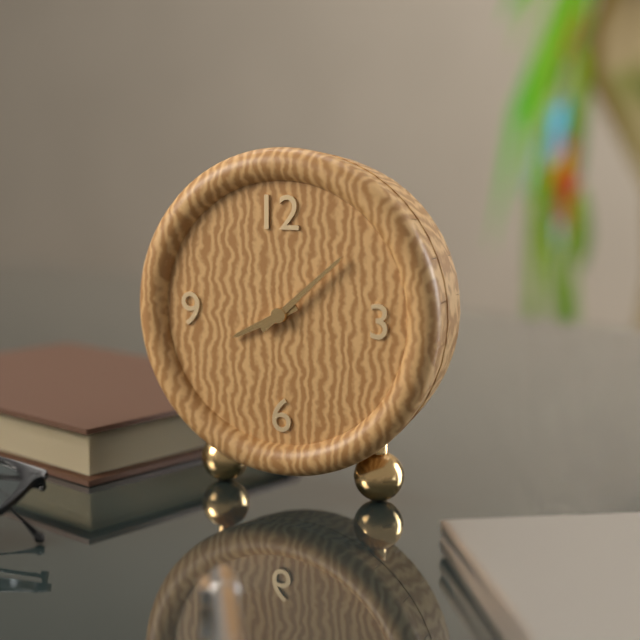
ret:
8:08
